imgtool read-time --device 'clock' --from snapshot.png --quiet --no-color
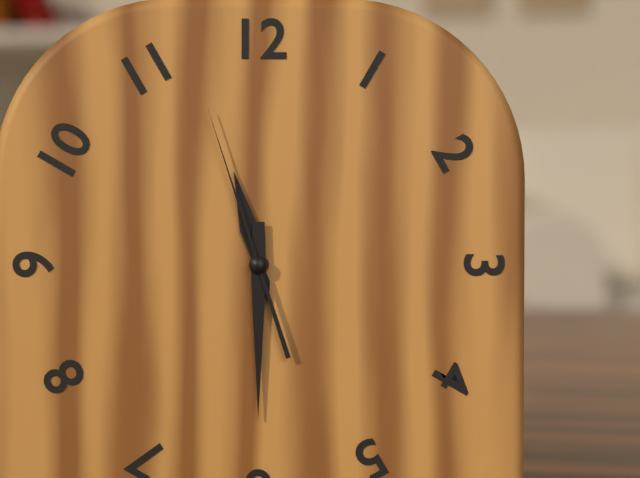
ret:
11:30:57
